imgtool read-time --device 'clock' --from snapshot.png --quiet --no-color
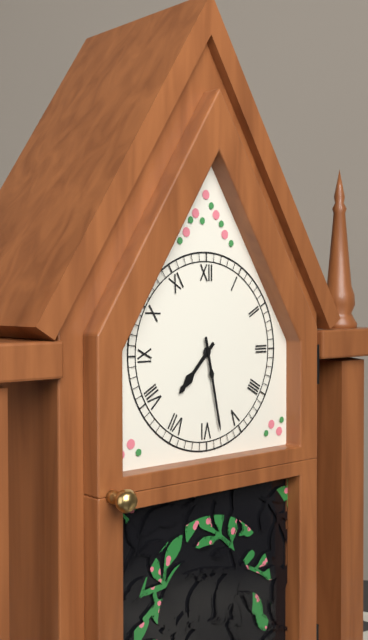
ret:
7:28
